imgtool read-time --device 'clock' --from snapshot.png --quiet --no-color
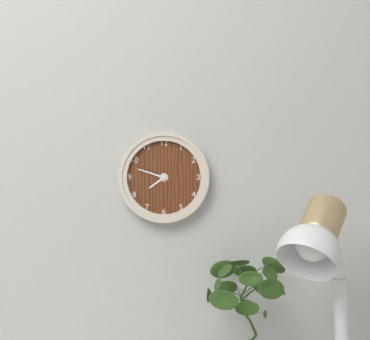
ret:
7:48
